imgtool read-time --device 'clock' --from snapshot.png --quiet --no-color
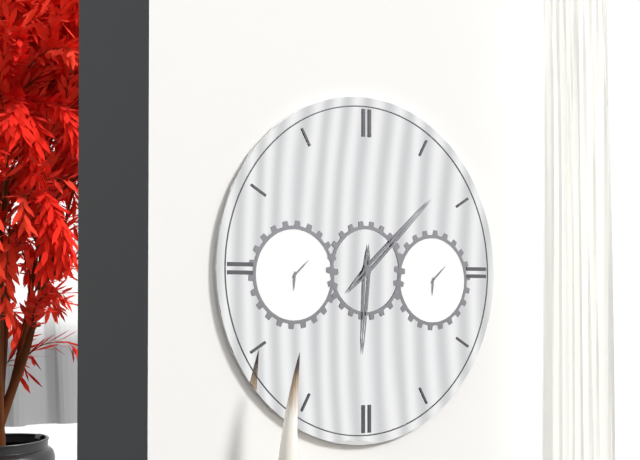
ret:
6:08
